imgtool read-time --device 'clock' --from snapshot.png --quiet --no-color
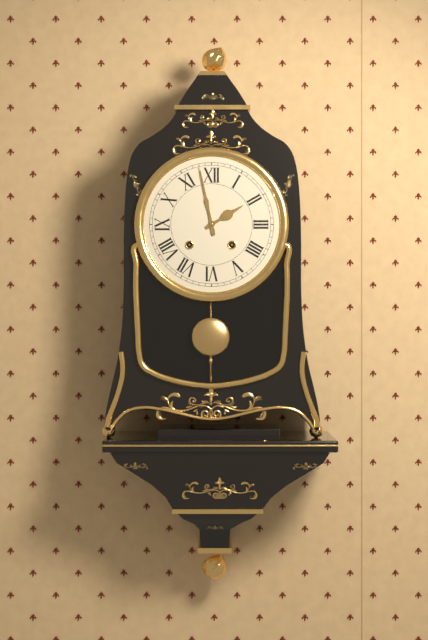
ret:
1:58
